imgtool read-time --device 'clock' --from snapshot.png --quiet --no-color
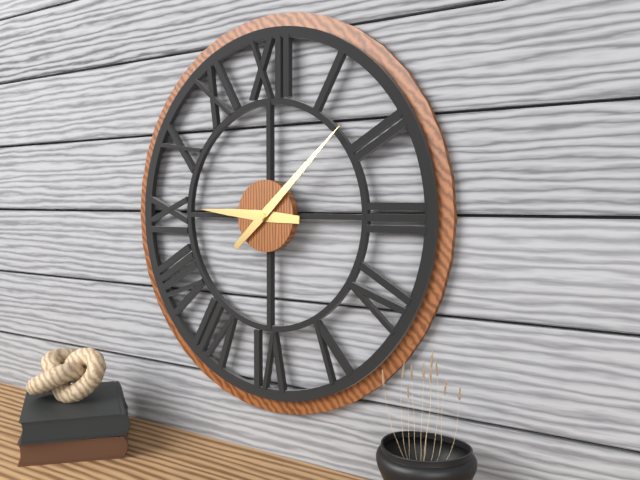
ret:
9:08
